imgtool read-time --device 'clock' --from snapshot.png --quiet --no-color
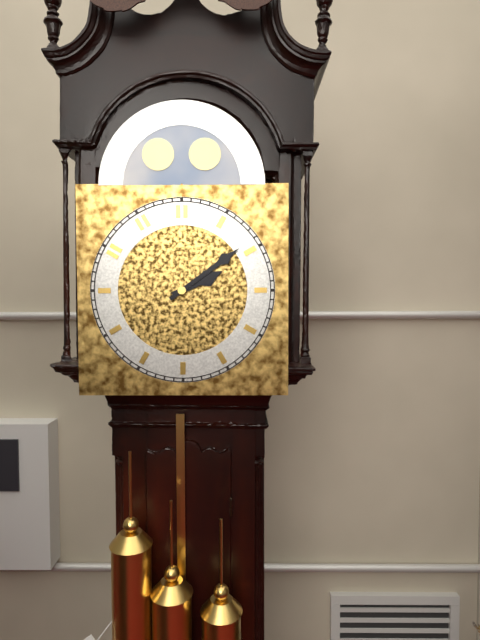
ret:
2:09
